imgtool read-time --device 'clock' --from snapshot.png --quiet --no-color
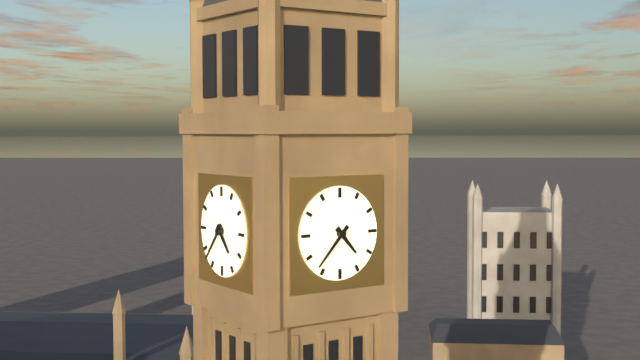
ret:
4:37
